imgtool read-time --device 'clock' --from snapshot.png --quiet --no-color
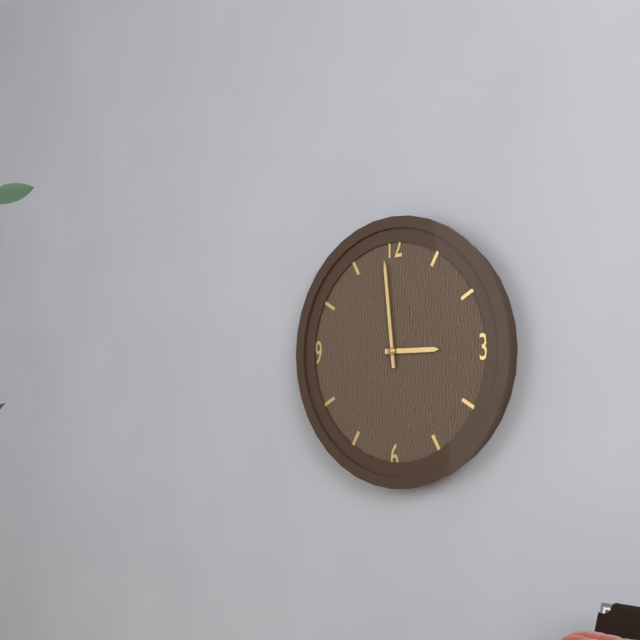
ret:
2:59
